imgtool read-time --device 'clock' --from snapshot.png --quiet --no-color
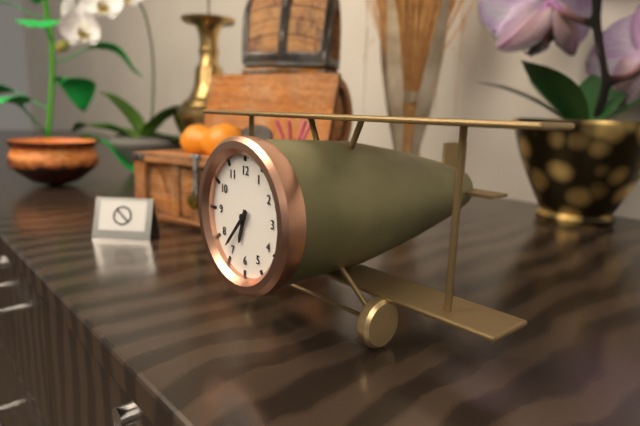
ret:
6:37
